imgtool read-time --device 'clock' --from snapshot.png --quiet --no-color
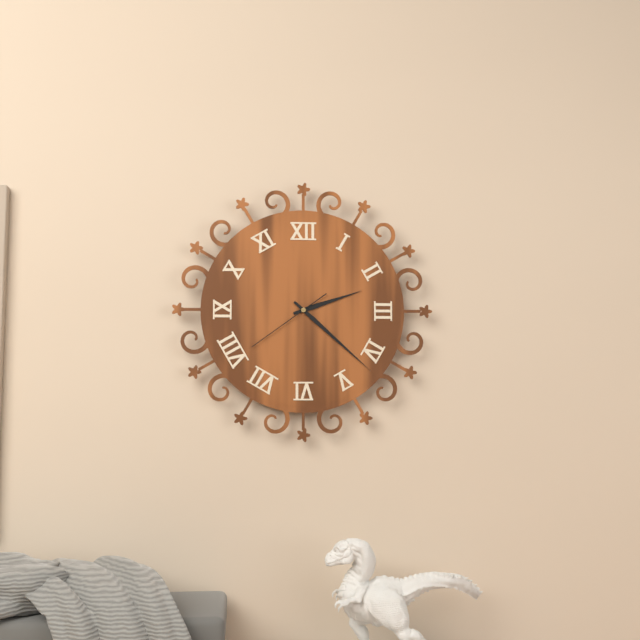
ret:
2:22:39
